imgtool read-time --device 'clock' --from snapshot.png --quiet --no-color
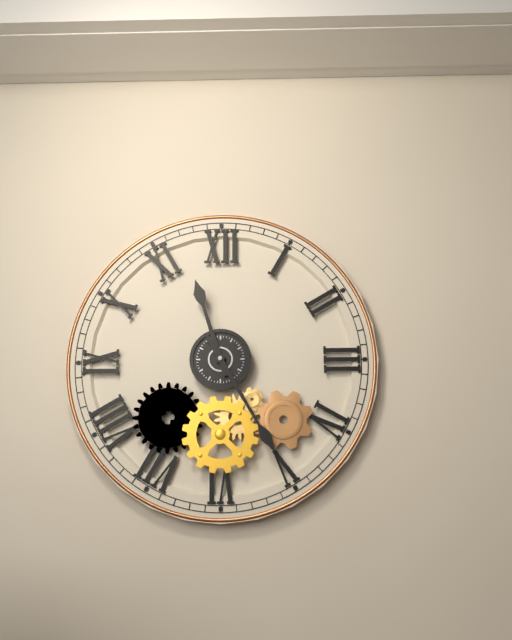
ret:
11:25
